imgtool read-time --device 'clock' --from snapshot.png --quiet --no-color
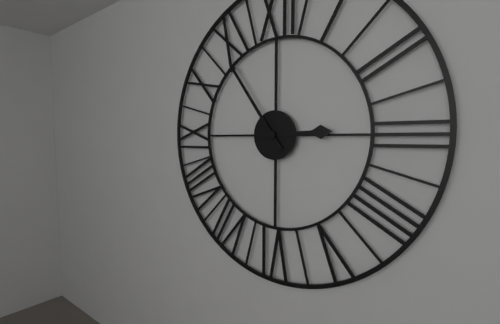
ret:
2:54
